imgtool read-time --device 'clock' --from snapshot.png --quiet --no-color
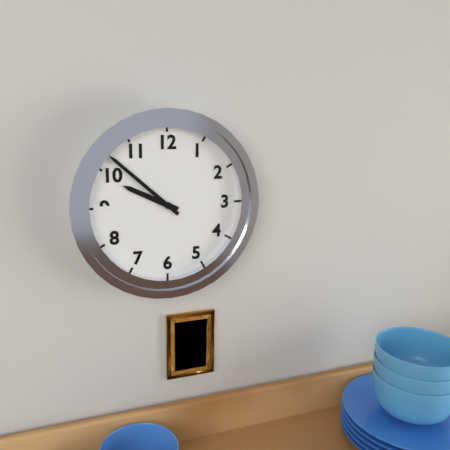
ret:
9:52
